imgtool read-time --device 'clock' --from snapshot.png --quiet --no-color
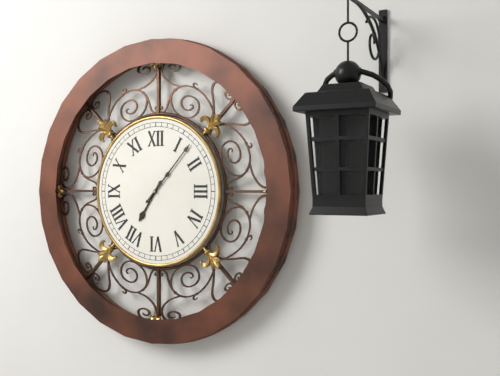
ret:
7:07
